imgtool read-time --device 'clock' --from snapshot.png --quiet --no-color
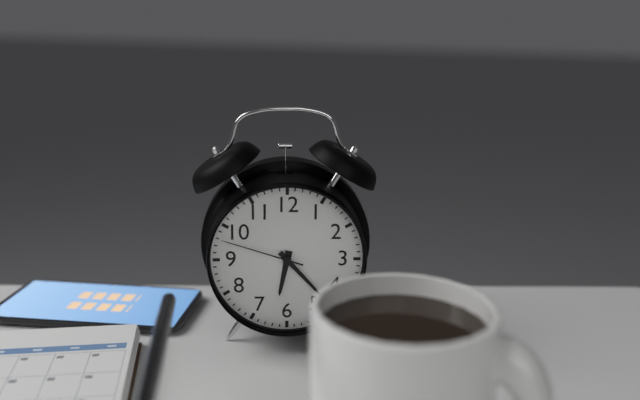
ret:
6:23:48
